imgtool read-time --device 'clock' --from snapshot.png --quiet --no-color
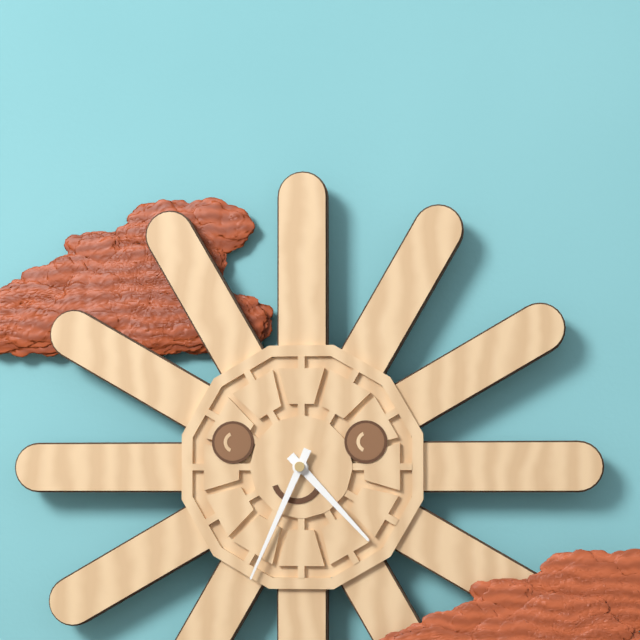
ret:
4:34
